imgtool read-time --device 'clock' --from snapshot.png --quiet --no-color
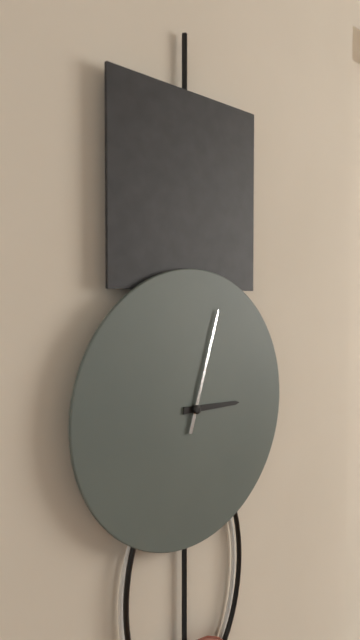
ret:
3:03
